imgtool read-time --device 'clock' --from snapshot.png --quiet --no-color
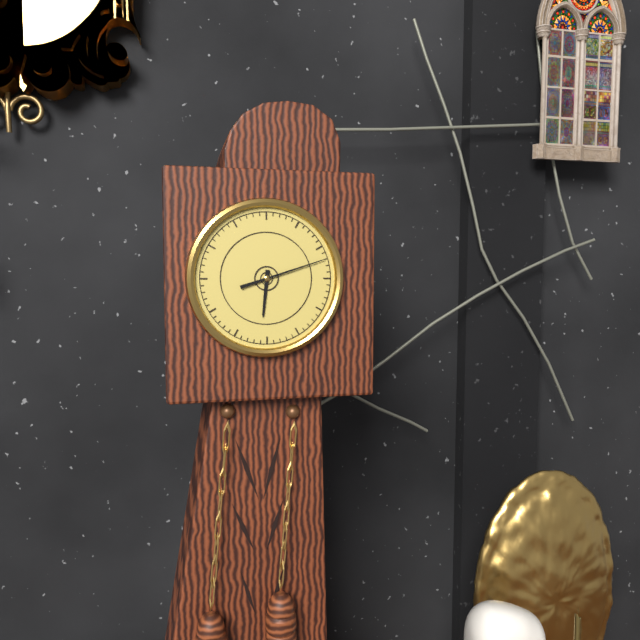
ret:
6:12
